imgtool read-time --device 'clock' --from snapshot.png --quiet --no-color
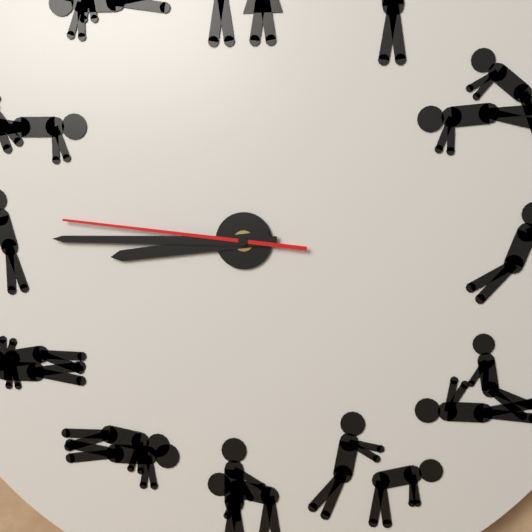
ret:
8:45:46
